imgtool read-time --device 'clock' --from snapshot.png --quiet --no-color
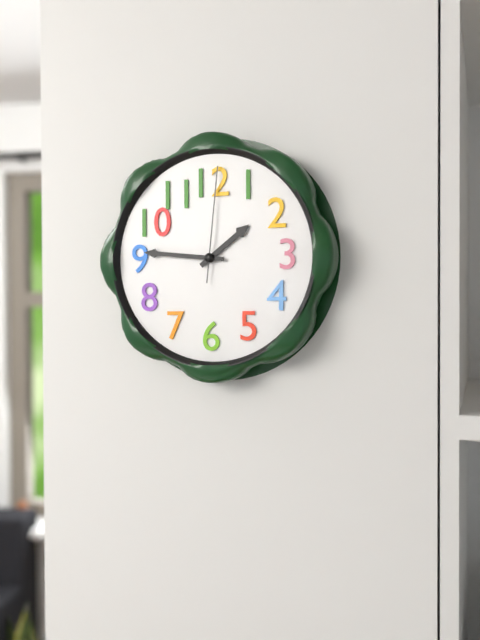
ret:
1:46:01
